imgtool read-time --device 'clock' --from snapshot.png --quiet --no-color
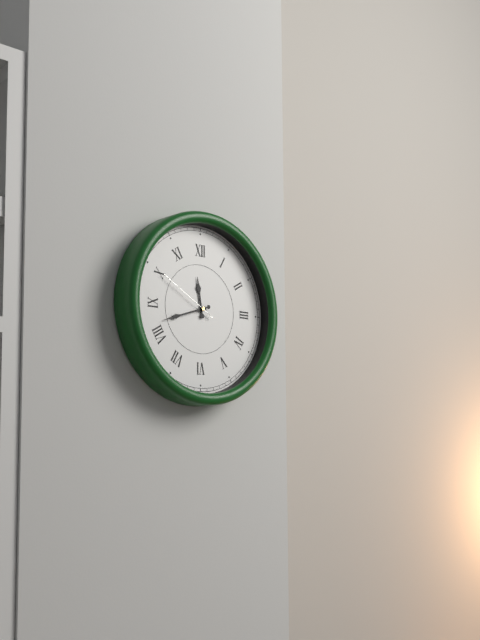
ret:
11:42:50
